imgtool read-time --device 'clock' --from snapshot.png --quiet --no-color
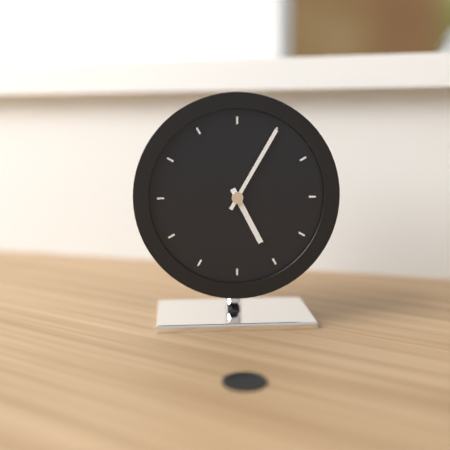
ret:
5:05
